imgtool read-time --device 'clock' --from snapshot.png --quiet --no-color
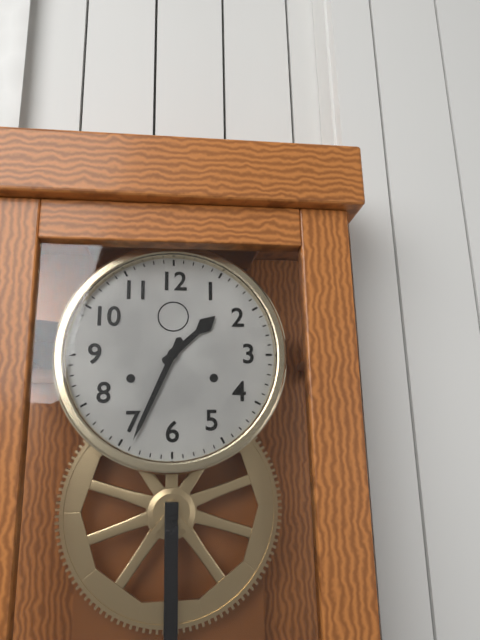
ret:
1:34
